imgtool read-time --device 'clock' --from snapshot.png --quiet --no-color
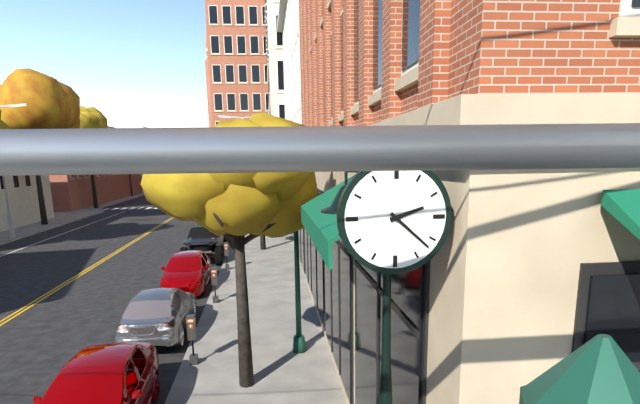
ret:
2:22
